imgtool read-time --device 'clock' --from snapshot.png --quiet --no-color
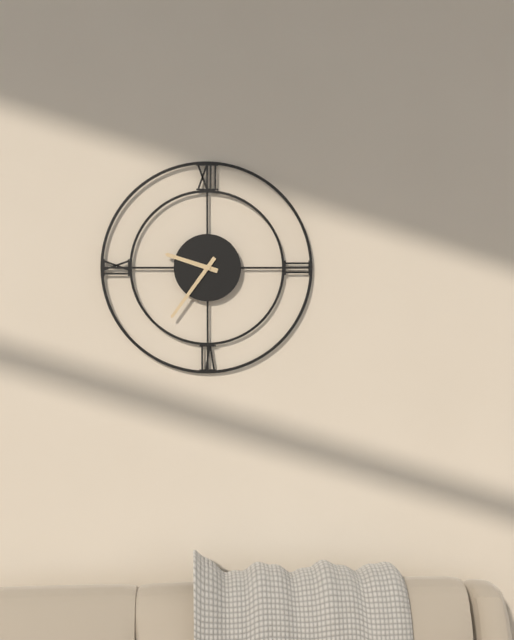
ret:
9:36
